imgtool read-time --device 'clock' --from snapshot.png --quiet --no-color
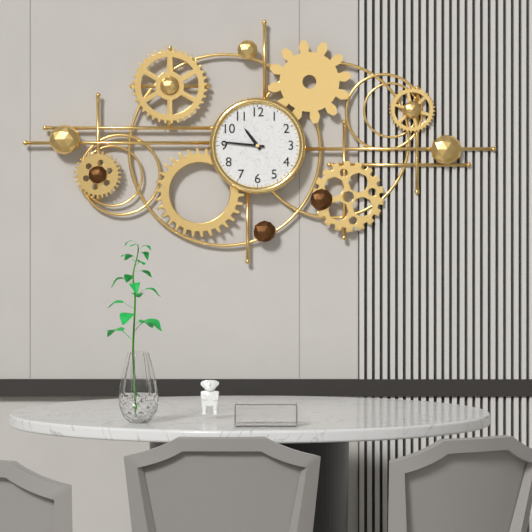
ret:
10:46
